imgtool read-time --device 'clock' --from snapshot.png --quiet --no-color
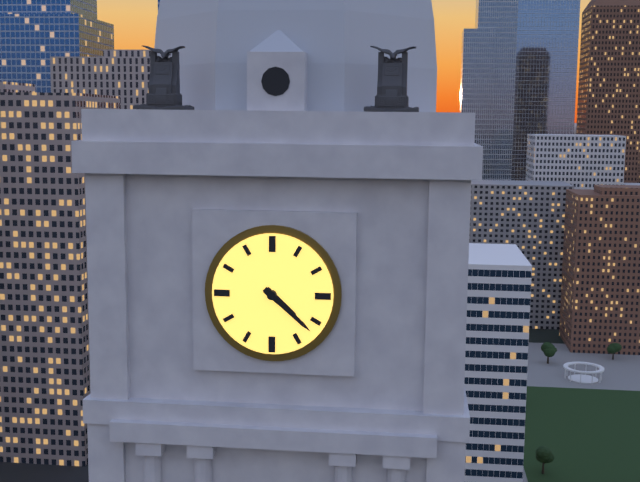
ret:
4:22
